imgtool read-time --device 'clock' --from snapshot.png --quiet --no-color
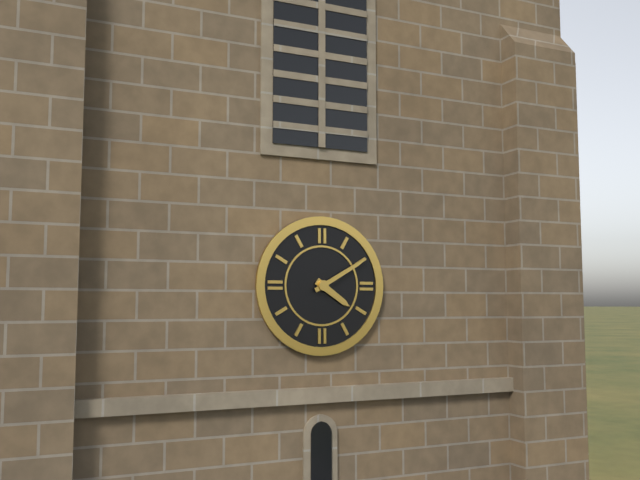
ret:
4:10
